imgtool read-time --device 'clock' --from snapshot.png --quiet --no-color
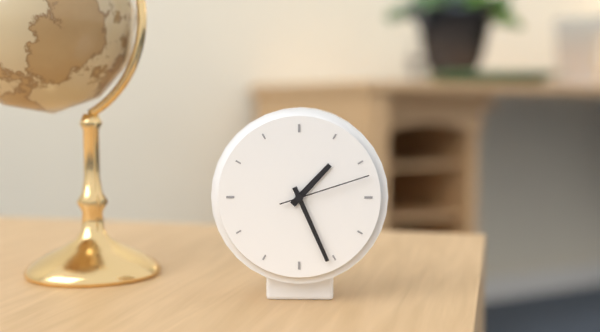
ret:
1:26:12
